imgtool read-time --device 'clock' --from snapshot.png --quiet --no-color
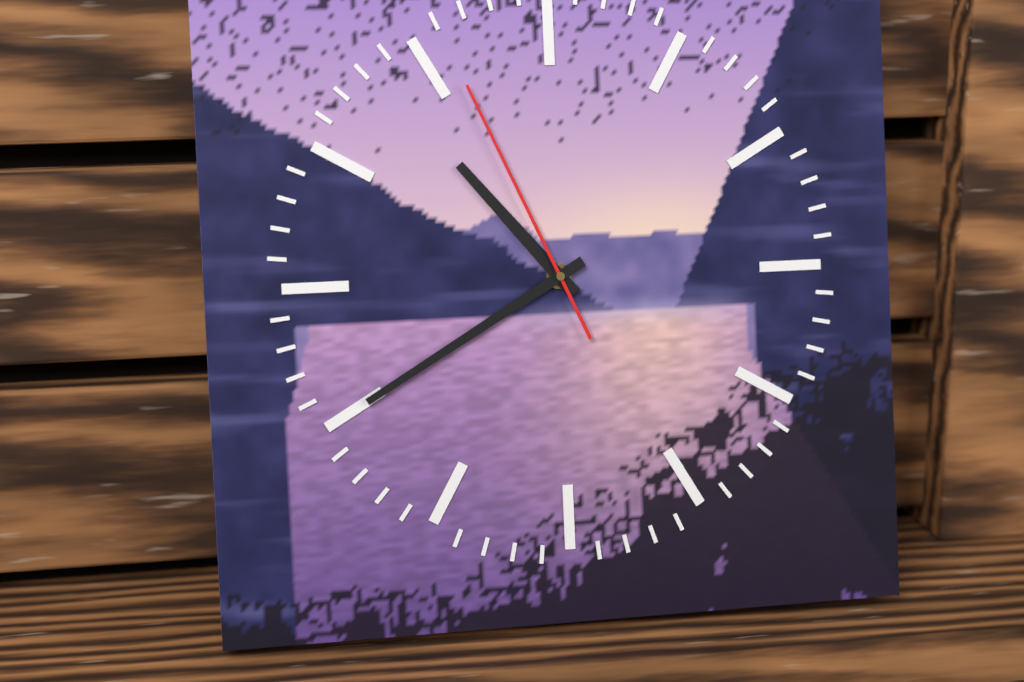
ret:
10:40:56
